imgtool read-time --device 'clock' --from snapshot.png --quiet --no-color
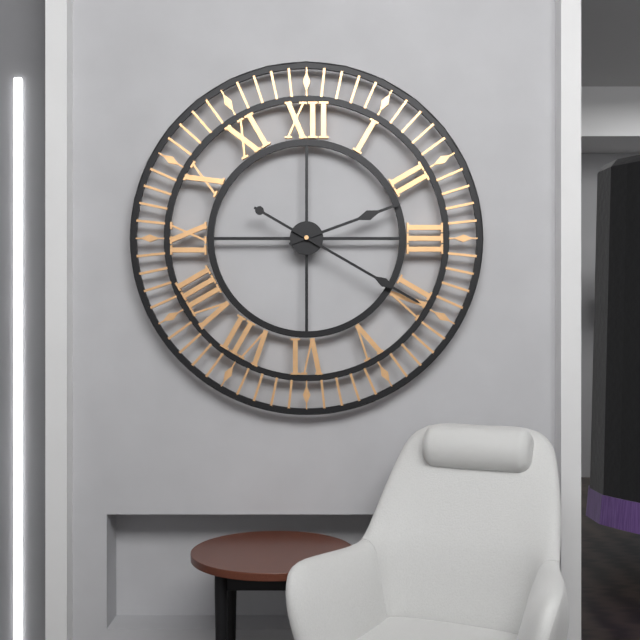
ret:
2:20
